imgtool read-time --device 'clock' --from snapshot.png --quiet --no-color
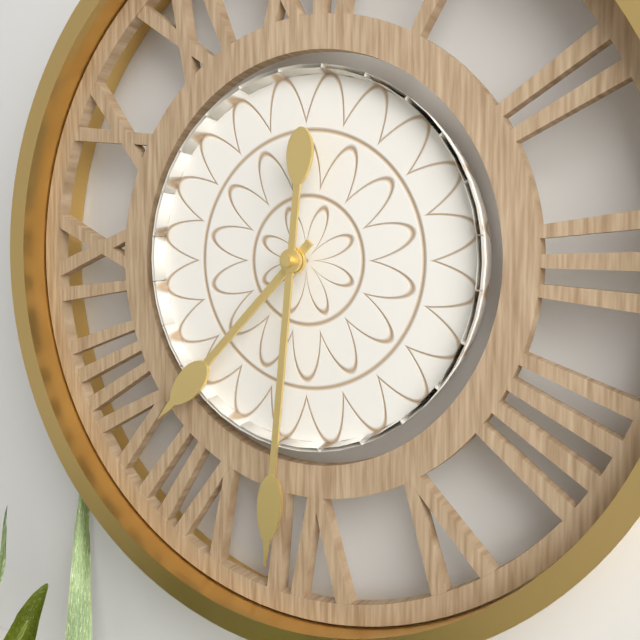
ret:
7:31
